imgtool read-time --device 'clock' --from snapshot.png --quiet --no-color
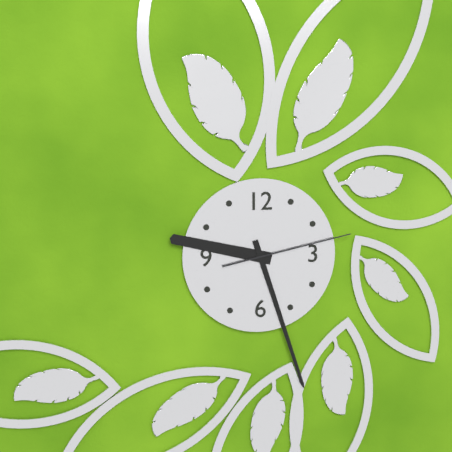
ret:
9:27:13
